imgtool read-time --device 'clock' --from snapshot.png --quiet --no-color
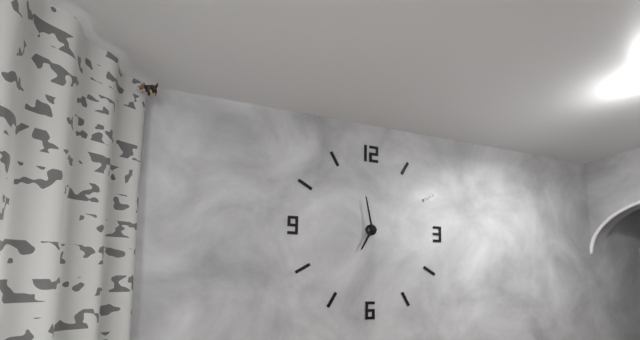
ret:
6:58
